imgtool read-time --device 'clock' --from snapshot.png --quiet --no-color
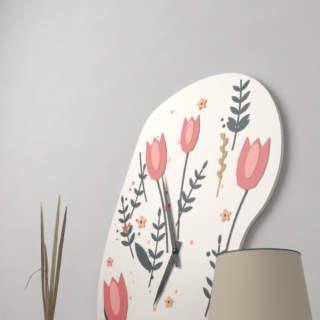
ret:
6:58
